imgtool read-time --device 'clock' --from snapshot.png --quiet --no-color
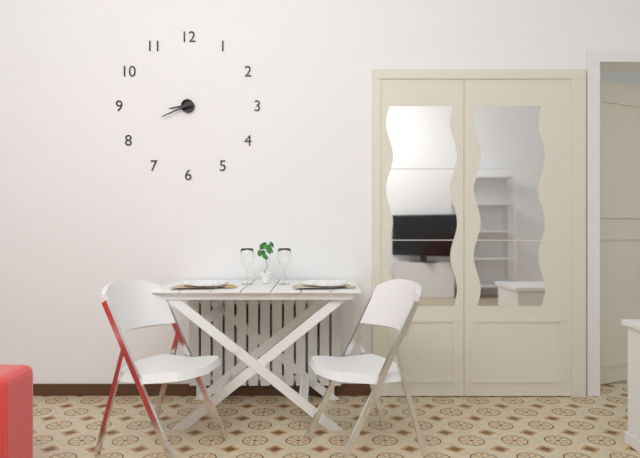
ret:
8:41
